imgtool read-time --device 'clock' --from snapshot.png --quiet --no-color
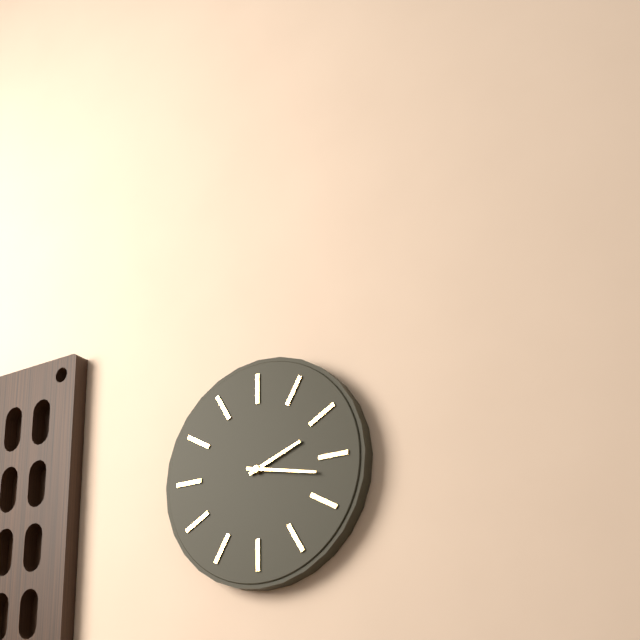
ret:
2:17
